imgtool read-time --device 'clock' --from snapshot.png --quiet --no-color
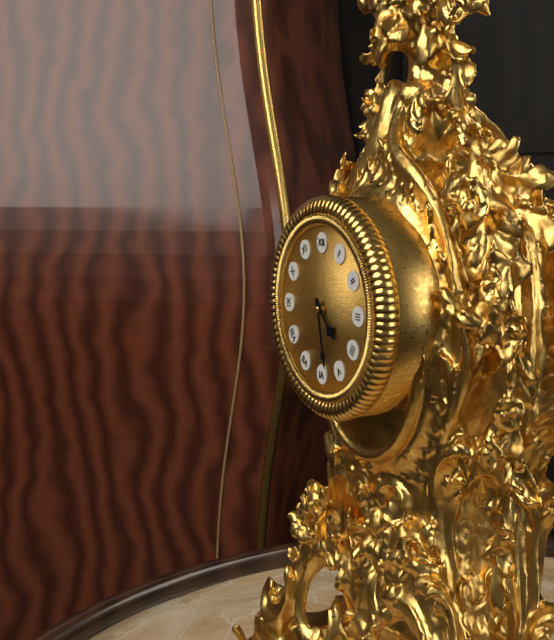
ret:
4:28
